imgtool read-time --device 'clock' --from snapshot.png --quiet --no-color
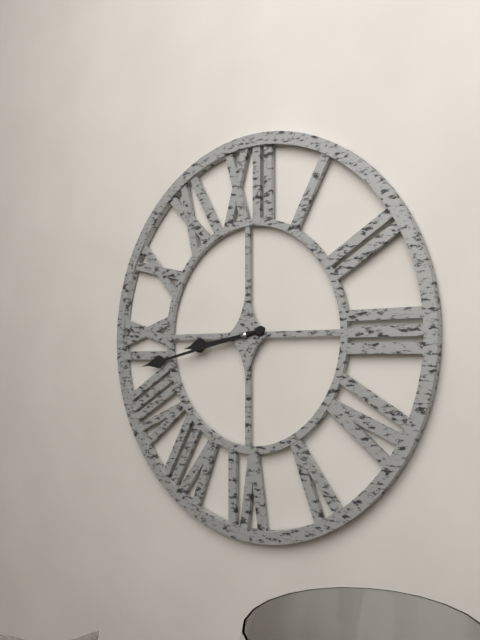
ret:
8:43
